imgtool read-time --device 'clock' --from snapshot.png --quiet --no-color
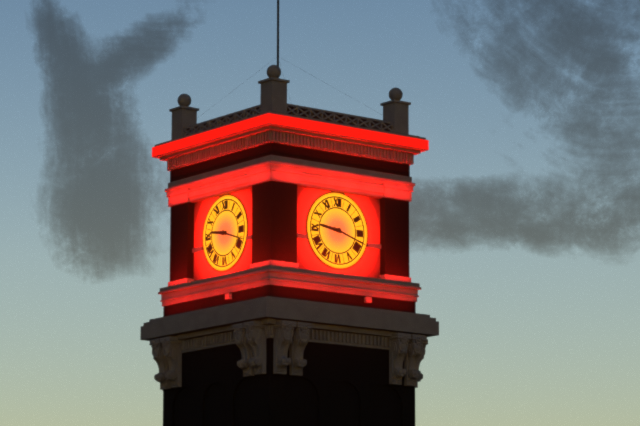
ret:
9:18
